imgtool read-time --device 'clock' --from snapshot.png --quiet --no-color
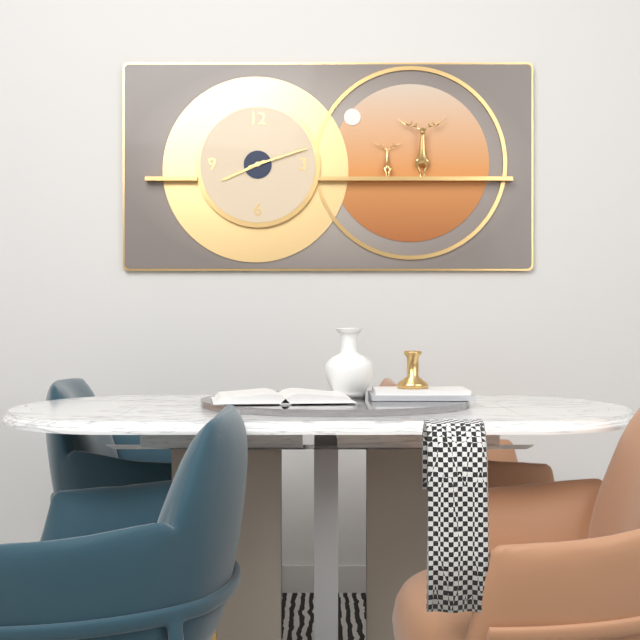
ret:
8:12
